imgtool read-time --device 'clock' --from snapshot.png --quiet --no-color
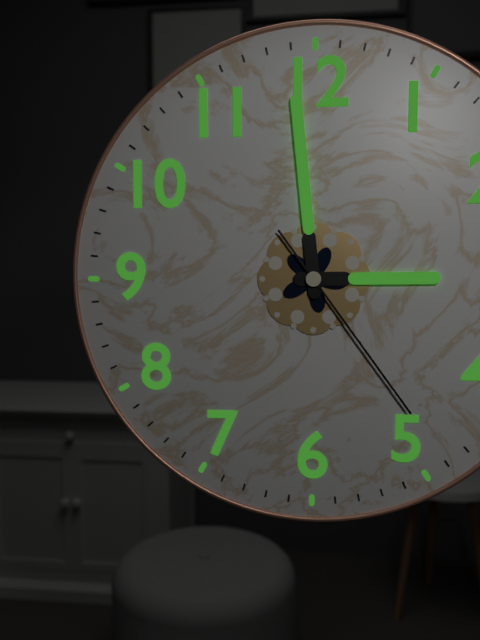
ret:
2:59:24
